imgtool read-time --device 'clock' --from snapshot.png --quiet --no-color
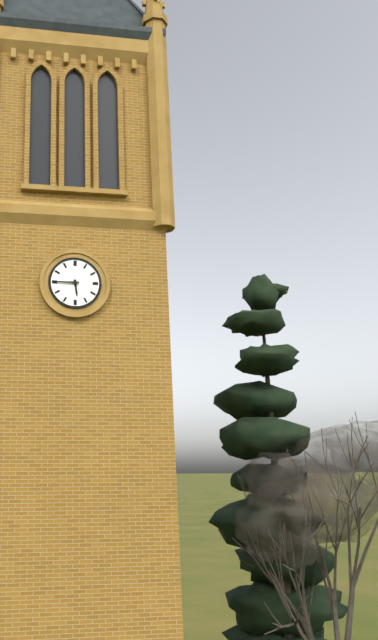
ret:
5:45
